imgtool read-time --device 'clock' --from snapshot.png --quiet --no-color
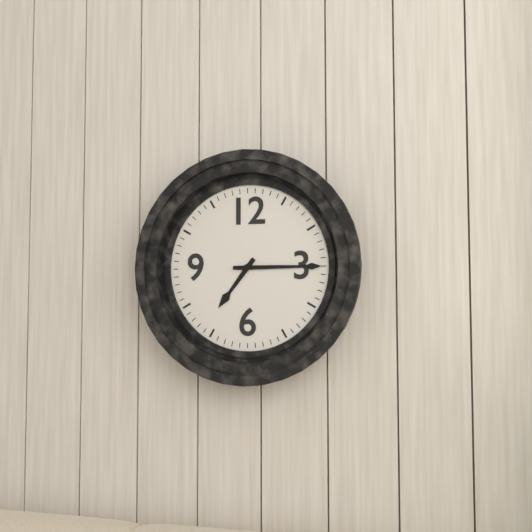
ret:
7:15
